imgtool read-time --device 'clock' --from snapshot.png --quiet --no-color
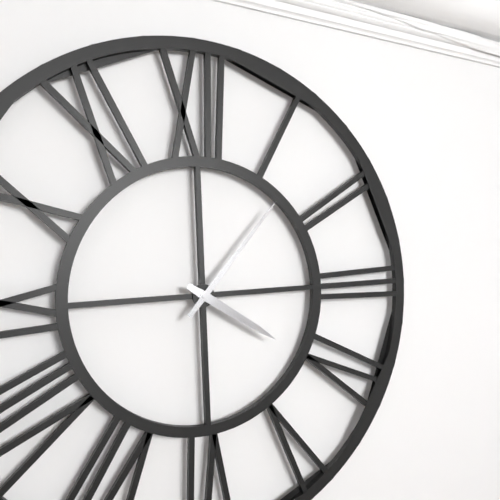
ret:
4:07
